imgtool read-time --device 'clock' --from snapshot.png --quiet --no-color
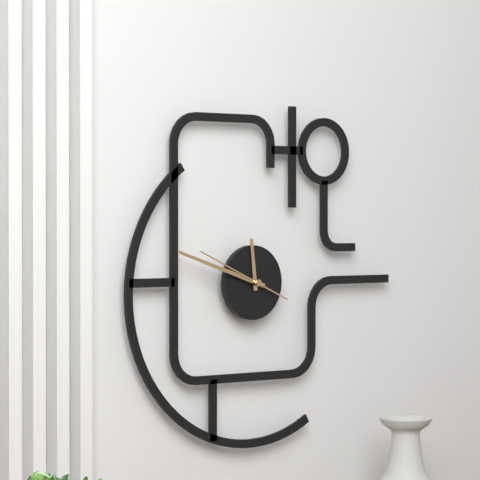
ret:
11:48:49
